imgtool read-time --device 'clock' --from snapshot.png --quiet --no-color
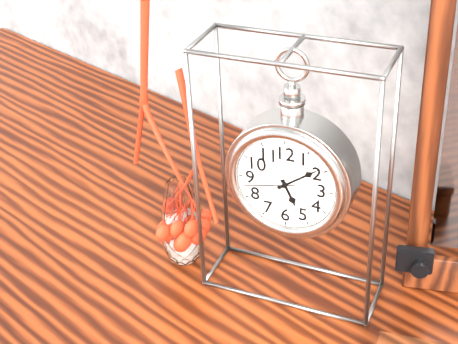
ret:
5:09:43
